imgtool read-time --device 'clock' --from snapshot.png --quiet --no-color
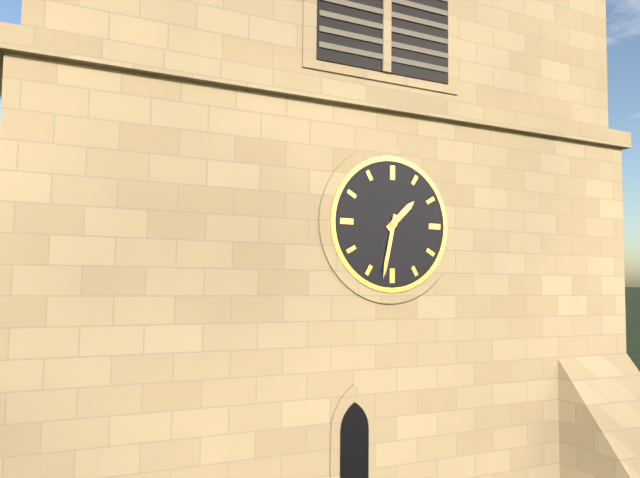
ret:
1:32
